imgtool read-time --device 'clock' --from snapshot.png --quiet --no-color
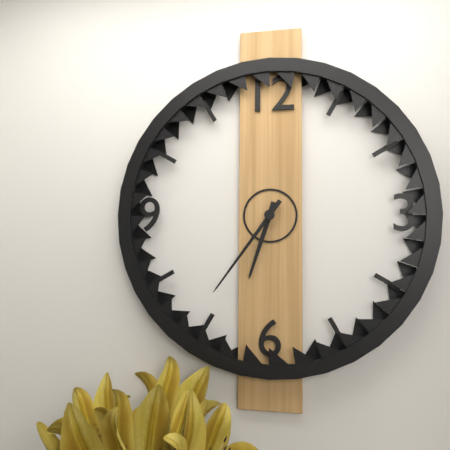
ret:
6:36
